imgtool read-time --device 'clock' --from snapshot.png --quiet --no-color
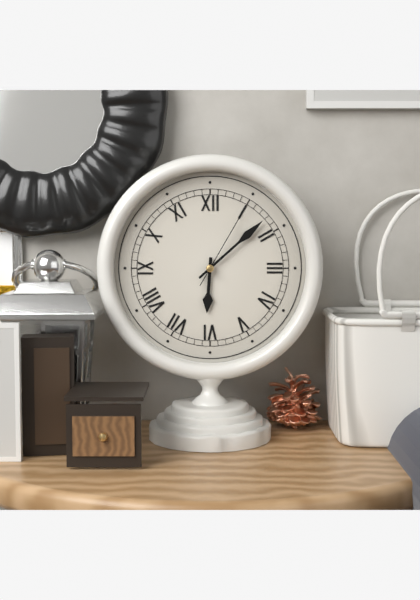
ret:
6:08:05
